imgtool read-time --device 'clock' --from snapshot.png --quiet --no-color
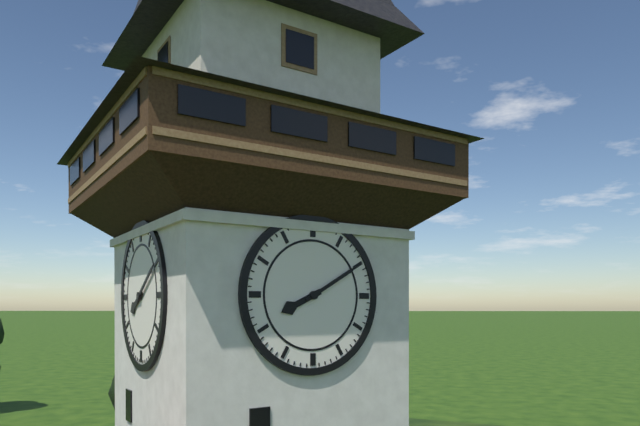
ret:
8:10
